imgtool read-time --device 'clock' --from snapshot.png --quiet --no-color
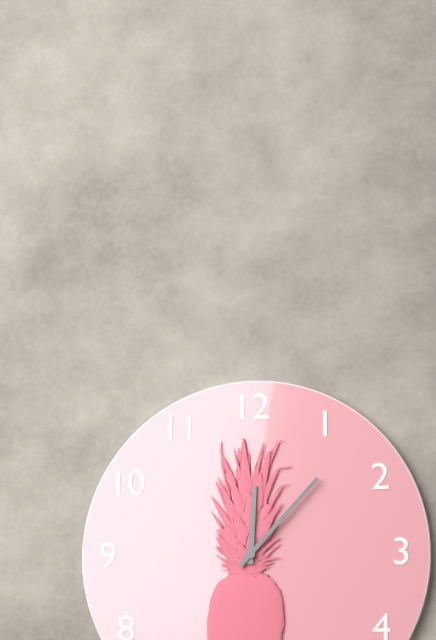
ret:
12:07
